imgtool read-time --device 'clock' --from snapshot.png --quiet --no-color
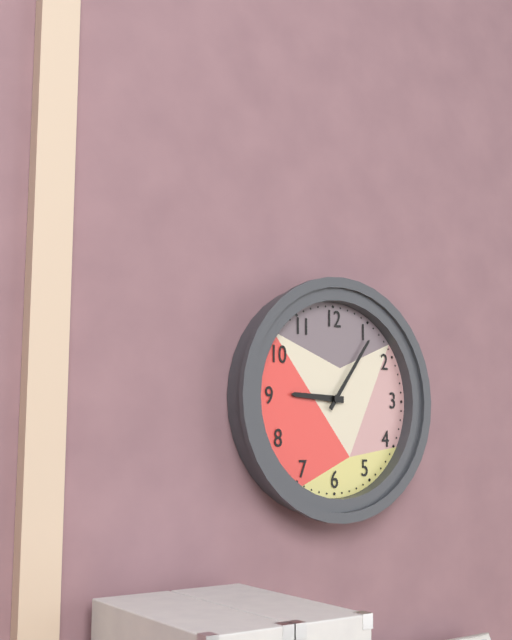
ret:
9:06
